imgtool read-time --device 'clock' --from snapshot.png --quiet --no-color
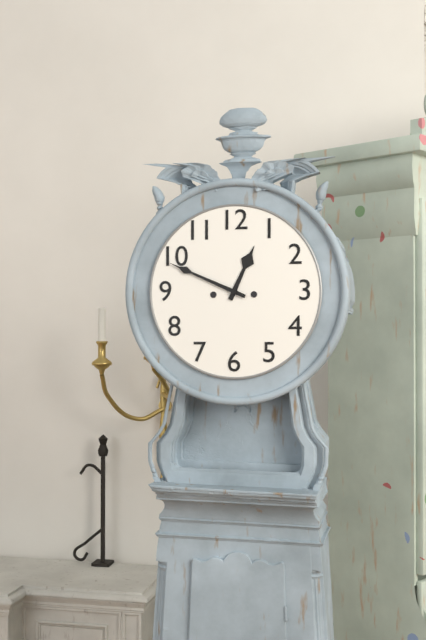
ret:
12:49
